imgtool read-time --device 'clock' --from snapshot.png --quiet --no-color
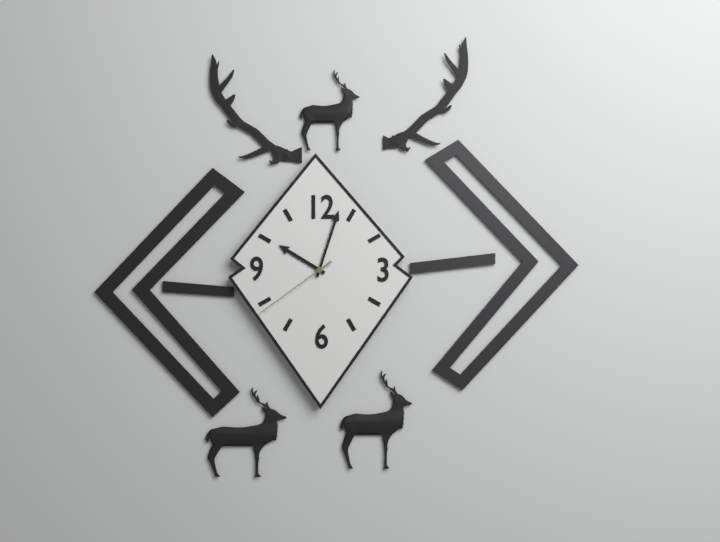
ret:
10:03:39
